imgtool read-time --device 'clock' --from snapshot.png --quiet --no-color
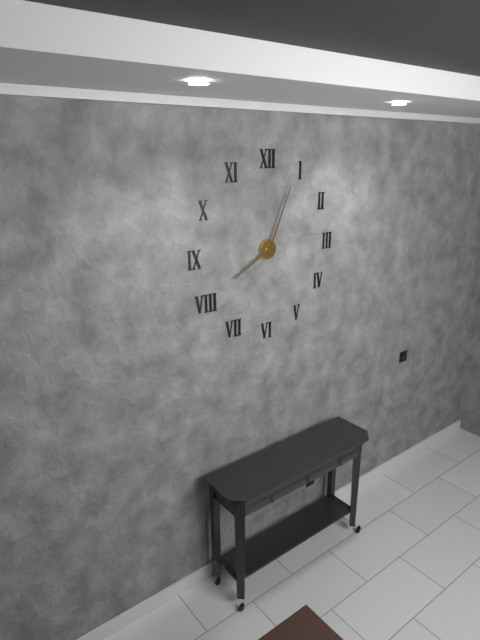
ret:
8:04
